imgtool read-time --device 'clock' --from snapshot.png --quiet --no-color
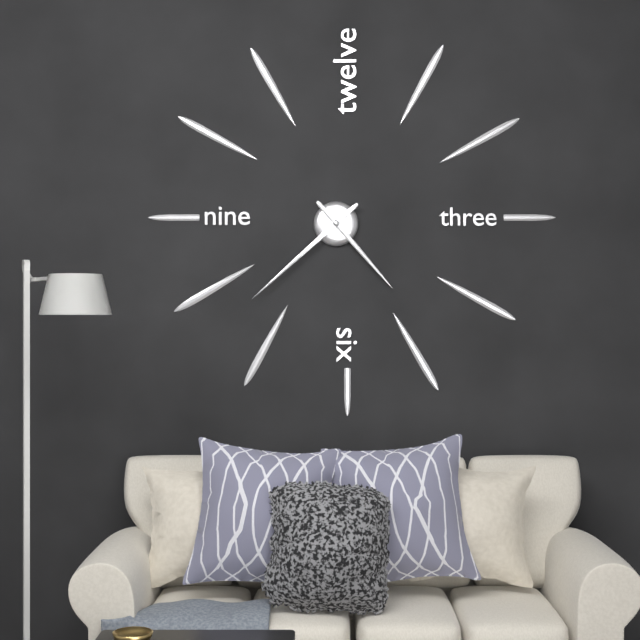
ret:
4:38
